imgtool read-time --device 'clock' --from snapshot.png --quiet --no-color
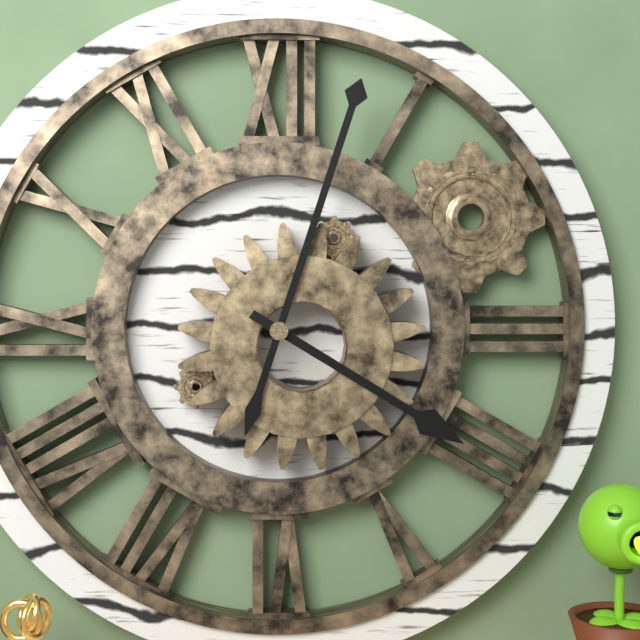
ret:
4:03
